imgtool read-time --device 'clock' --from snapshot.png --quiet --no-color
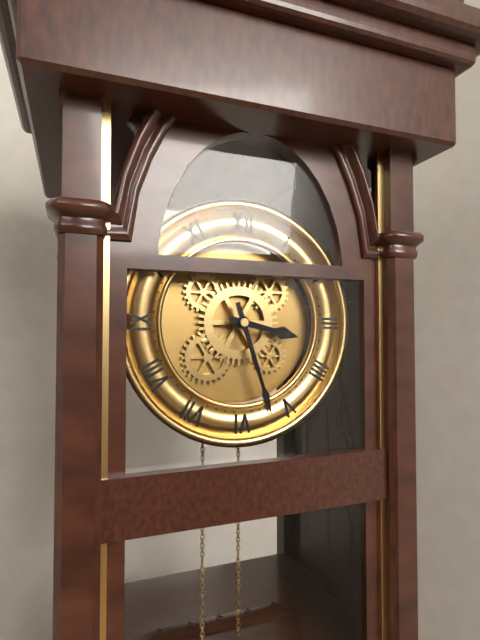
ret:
3:27
